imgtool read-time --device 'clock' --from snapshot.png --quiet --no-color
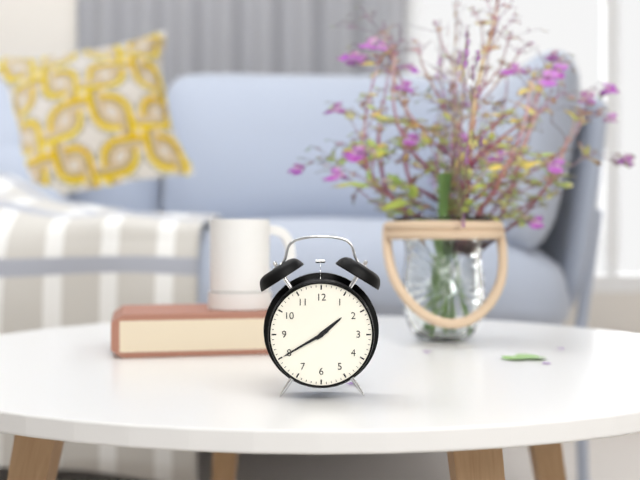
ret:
1:40
